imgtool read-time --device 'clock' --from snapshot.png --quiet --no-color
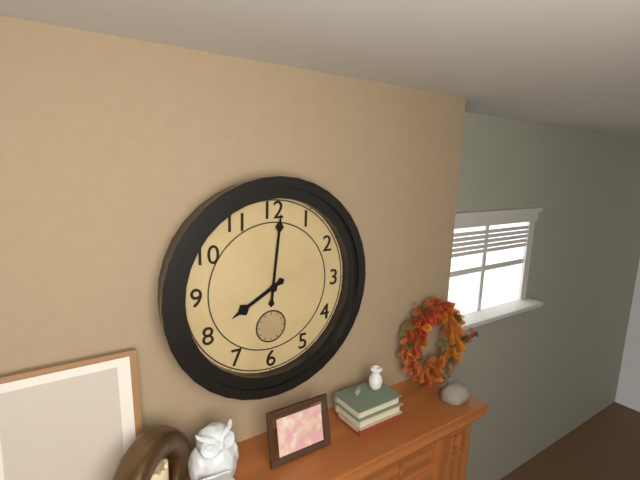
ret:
8:01
